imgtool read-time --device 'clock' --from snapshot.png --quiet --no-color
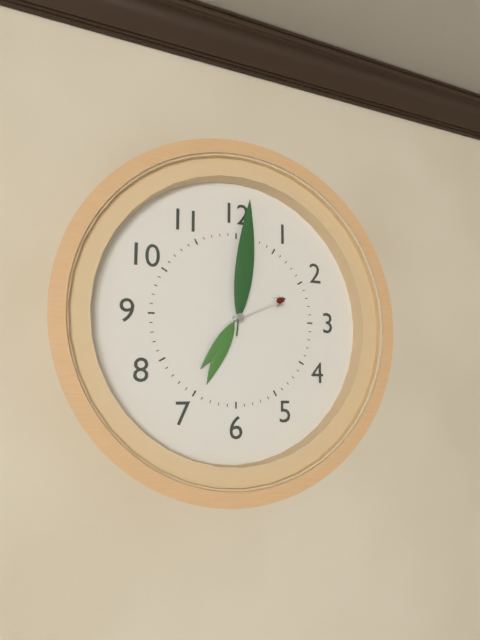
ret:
7:01:11
